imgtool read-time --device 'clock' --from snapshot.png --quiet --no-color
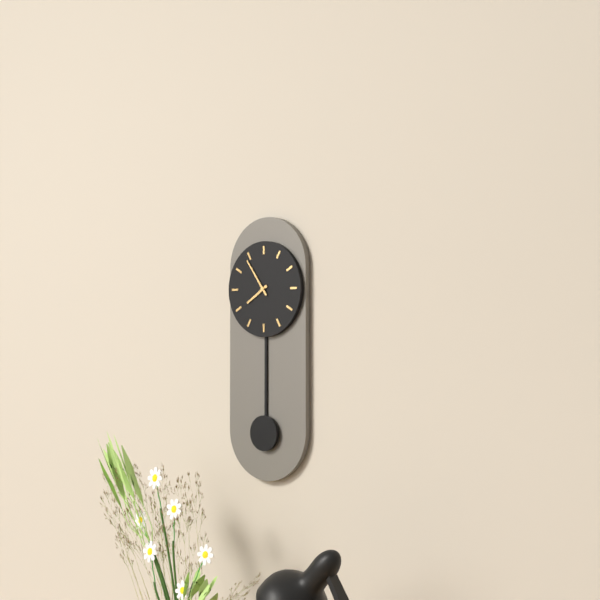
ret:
7:54
